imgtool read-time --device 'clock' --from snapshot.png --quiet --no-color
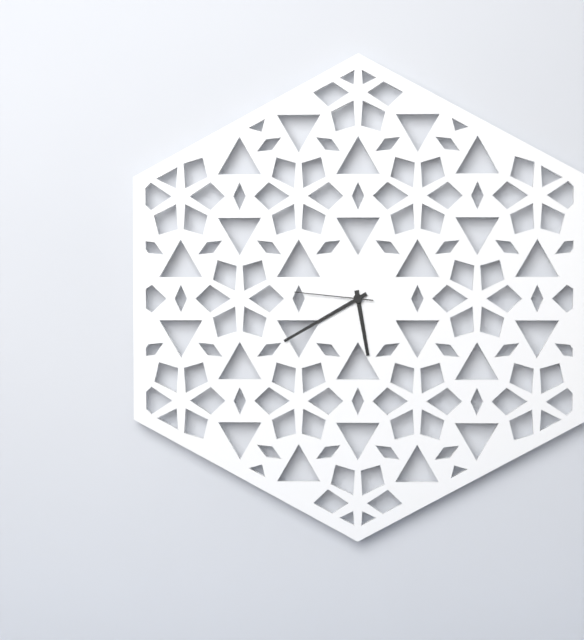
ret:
5:40:46
